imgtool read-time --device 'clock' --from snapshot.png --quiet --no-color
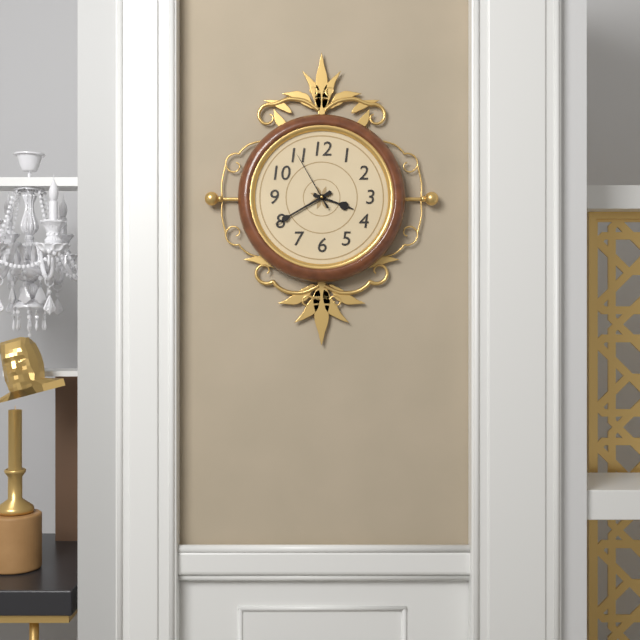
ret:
3:40:55
